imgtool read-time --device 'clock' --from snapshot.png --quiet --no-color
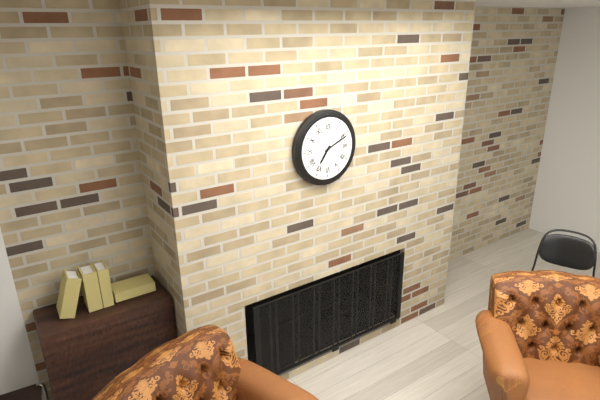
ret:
7:11
